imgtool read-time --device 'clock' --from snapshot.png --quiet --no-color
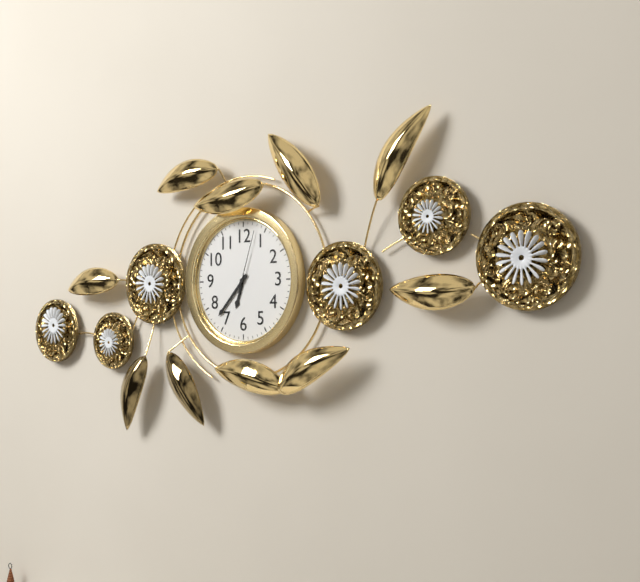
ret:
6:37:03
